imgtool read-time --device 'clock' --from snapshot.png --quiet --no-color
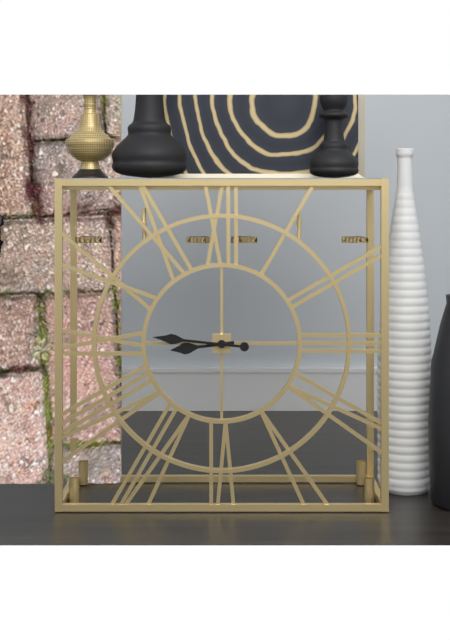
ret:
8:46
